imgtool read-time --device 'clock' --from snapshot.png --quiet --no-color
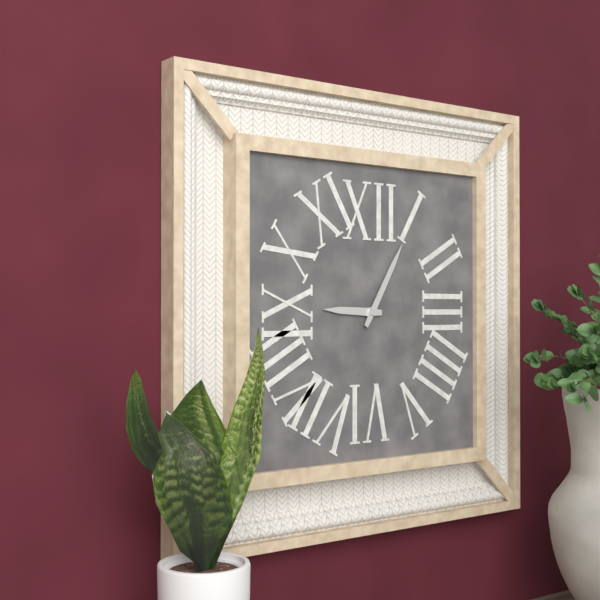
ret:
9:05
